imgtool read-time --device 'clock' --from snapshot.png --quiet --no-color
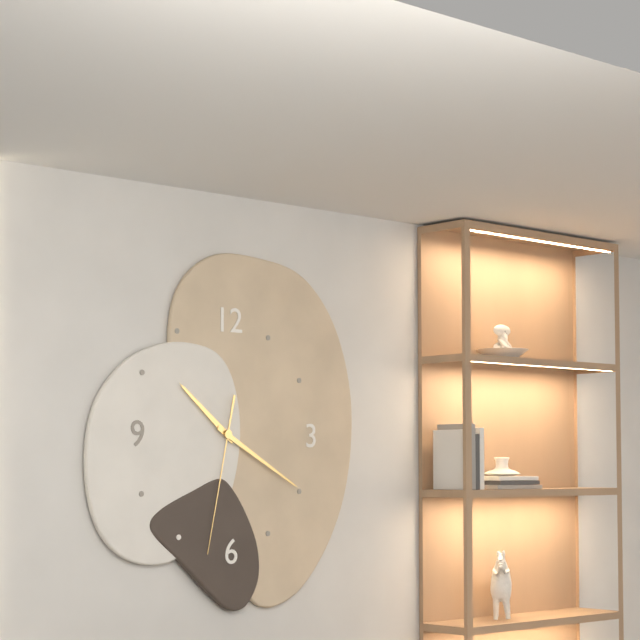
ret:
10:20:32
